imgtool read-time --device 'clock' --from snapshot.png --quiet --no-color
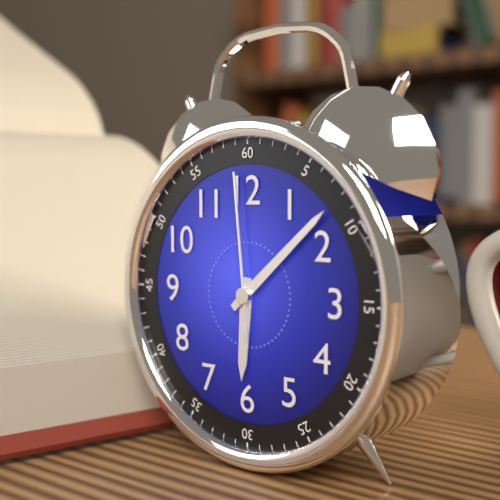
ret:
6:08:59
